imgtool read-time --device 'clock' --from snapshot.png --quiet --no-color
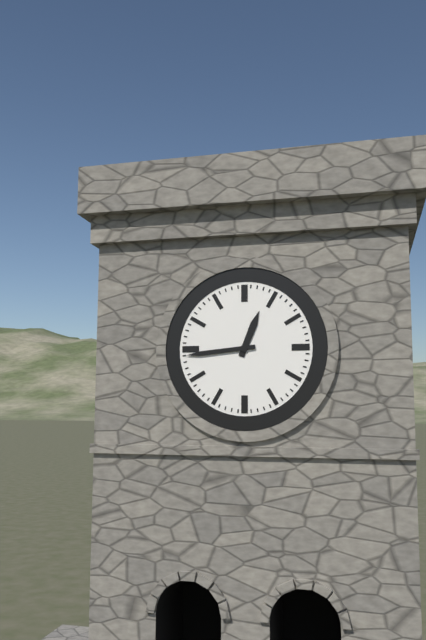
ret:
12:44
